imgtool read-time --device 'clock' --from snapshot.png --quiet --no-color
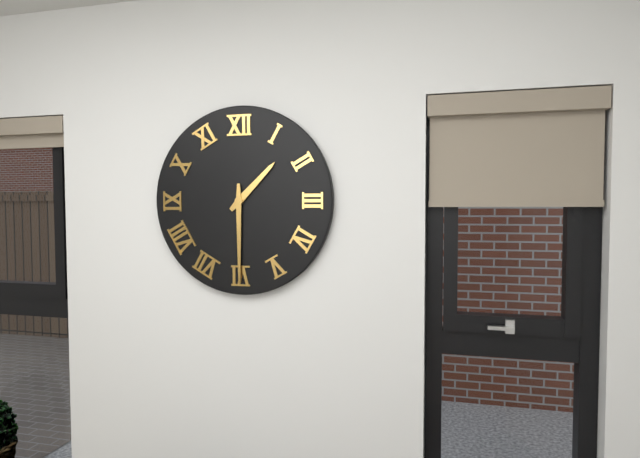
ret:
1:30
